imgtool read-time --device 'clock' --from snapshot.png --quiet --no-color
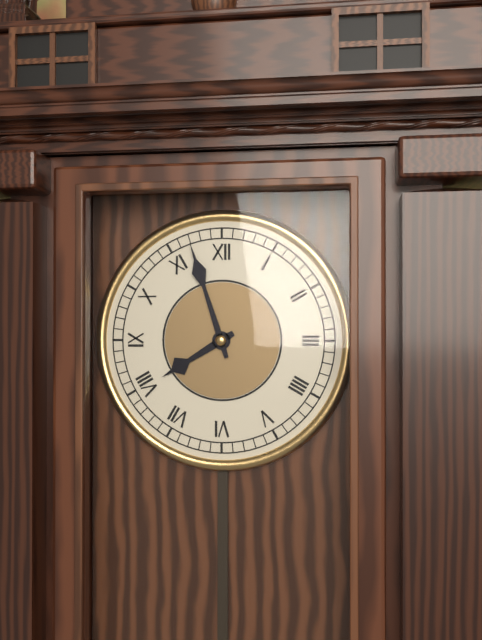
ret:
7:57
